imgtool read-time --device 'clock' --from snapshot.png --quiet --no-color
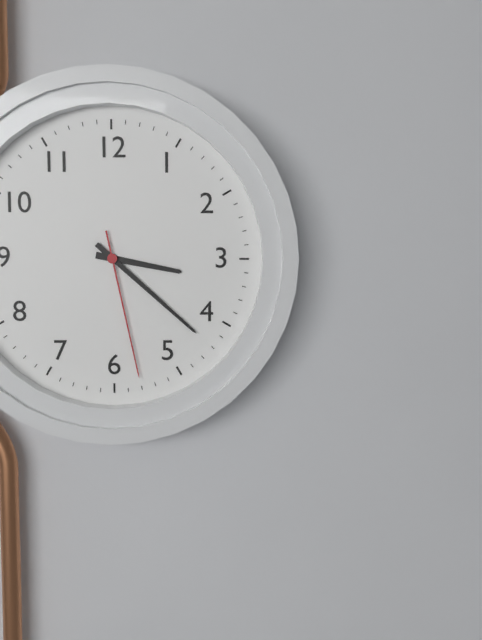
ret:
3:22:28
